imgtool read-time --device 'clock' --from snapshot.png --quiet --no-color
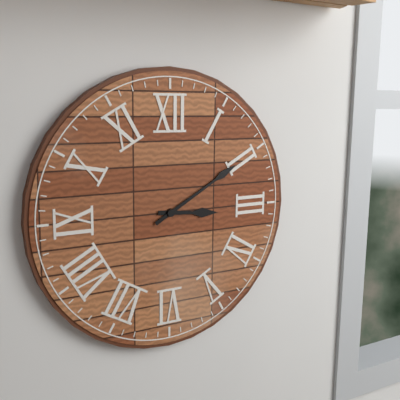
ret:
3:10
